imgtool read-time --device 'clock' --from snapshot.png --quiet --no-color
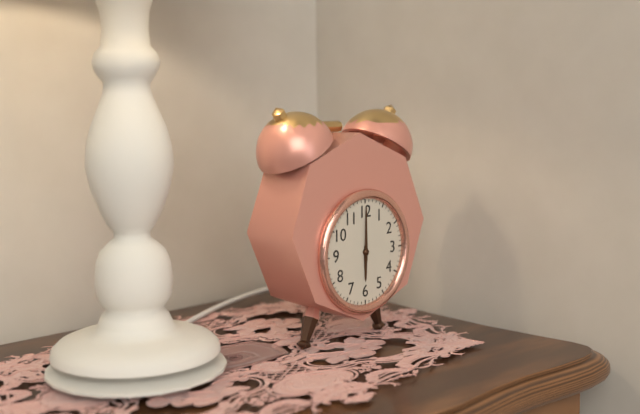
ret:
6:00
